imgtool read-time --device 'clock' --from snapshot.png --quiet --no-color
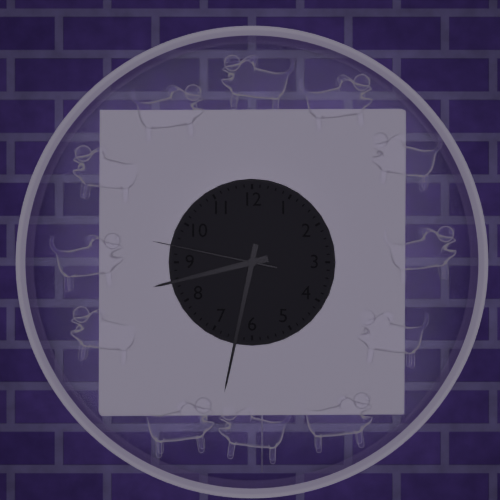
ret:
8:32:47
